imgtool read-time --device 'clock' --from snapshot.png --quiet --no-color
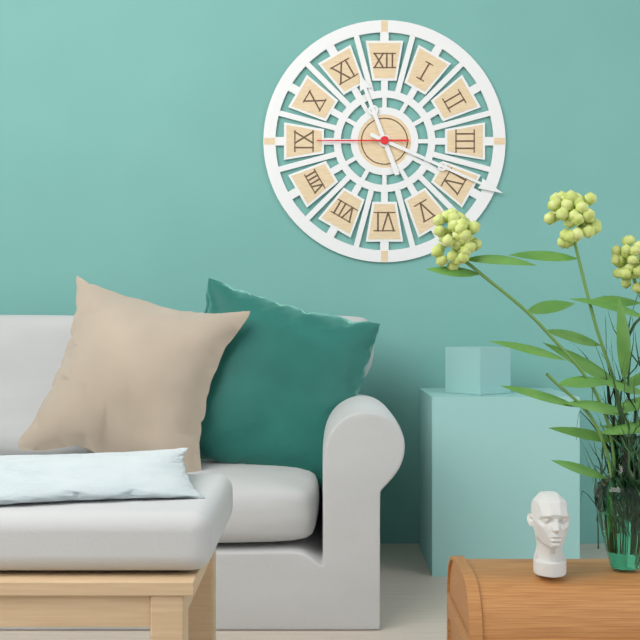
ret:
11:19:45
